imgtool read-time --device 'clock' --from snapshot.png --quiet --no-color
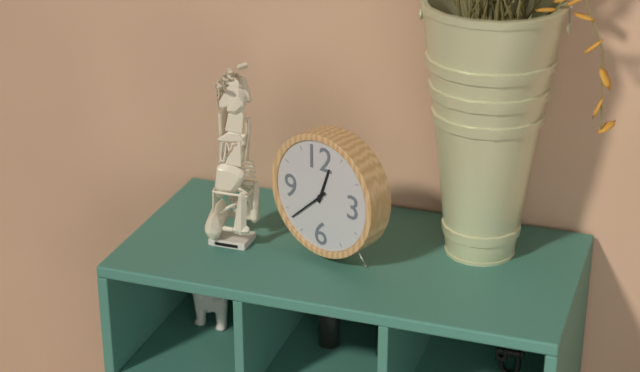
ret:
12:38
